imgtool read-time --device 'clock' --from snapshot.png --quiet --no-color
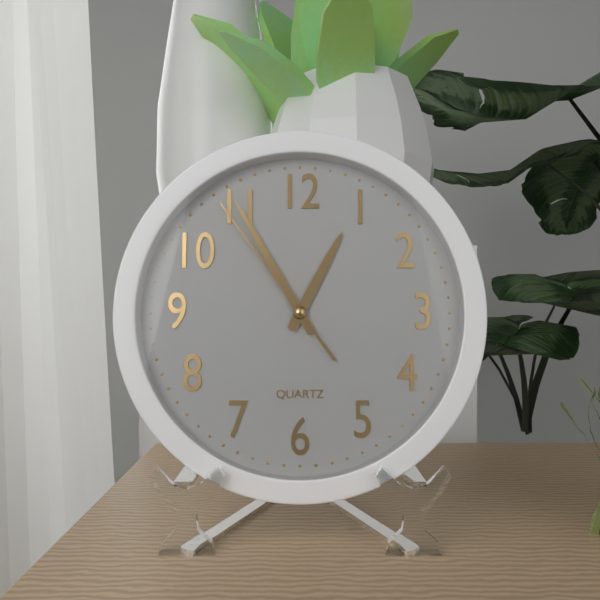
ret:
12:55:54
